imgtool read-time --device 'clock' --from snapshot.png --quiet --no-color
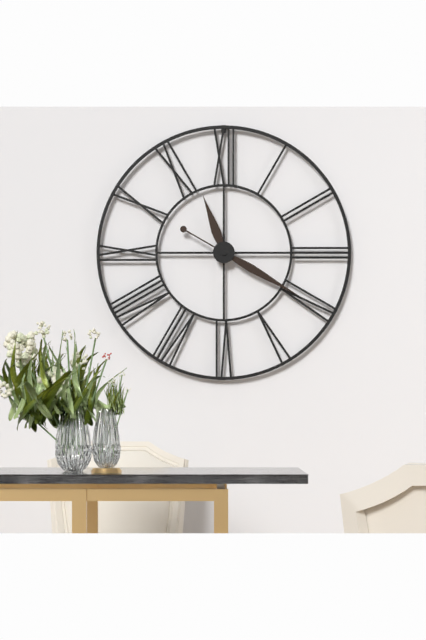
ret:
11:20
